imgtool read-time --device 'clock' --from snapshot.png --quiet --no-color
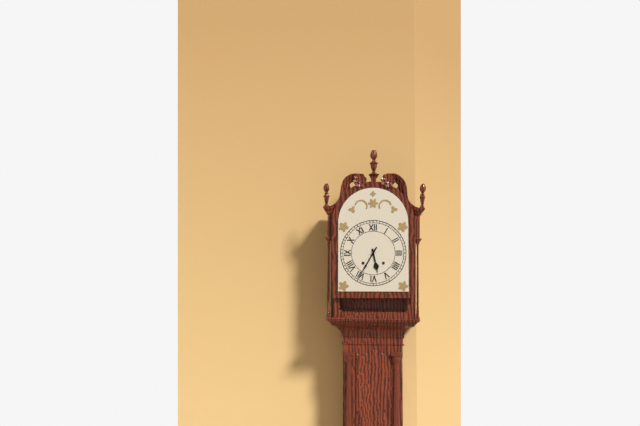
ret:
5:35
